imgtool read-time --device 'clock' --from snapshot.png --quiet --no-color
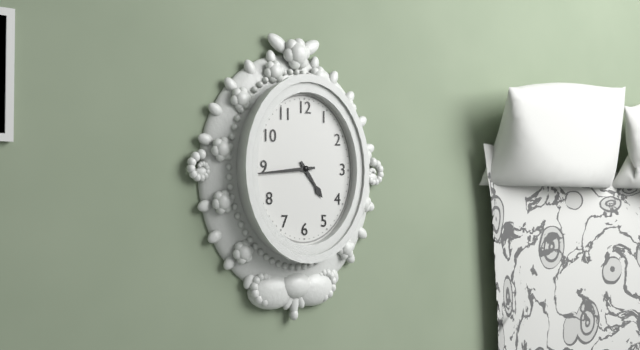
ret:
4:44
